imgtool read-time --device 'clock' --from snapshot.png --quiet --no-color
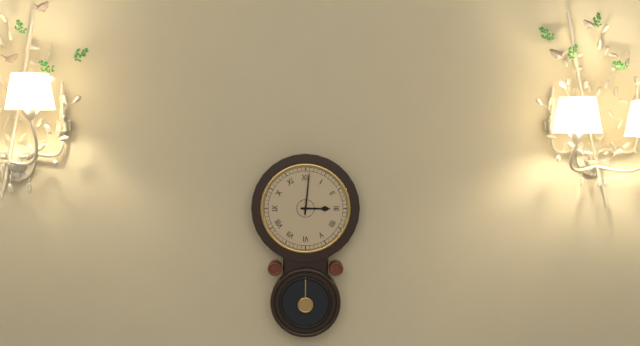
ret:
3:01
